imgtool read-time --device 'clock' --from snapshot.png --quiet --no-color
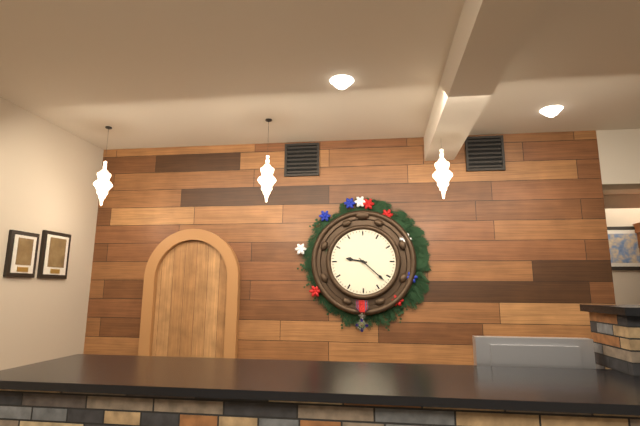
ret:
9:22
